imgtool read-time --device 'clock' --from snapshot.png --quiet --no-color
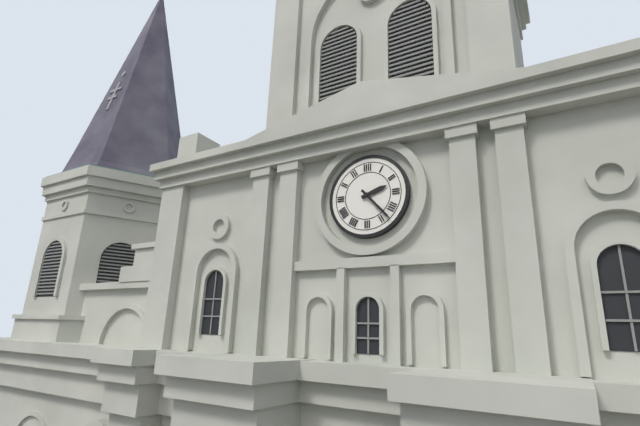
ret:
2:23
